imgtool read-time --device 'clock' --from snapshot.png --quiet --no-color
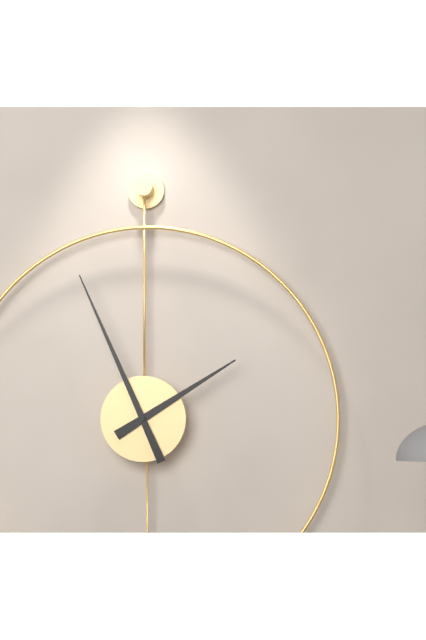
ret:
1:56
